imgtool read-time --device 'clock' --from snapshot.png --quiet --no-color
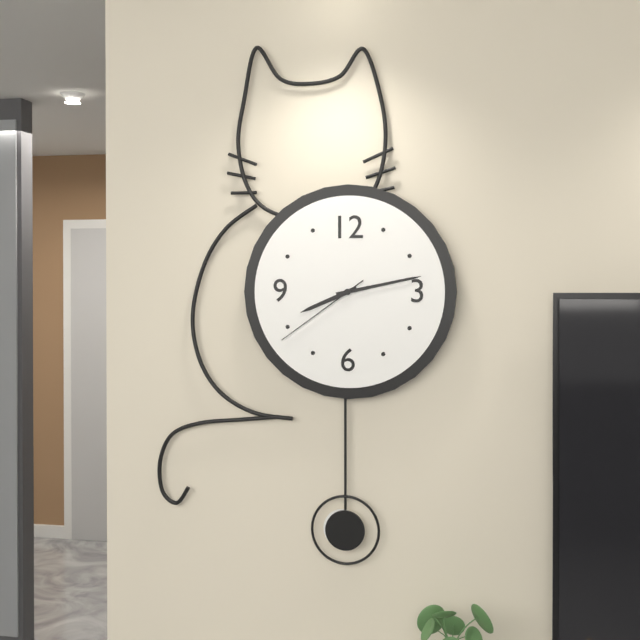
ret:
8:13:39
